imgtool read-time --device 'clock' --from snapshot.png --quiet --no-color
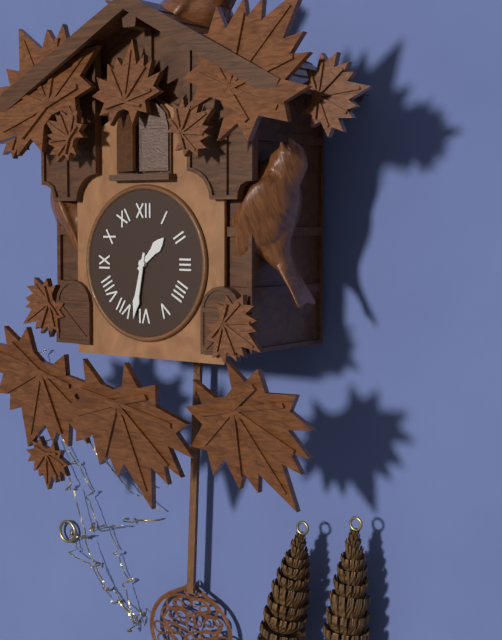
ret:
1:32
